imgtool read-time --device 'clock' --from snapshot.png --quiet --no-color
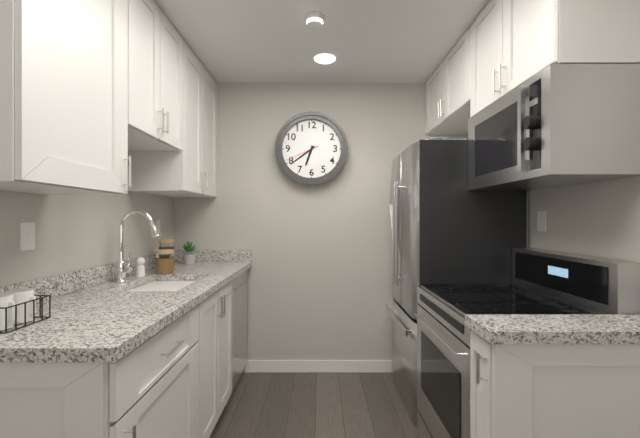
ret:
6:39
